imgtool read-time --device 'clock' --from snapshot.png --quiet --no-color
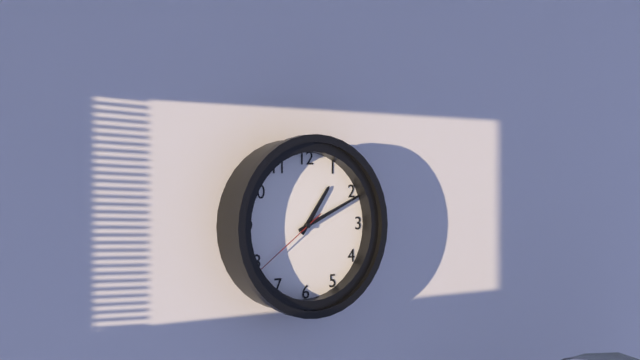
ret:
1:11:39
